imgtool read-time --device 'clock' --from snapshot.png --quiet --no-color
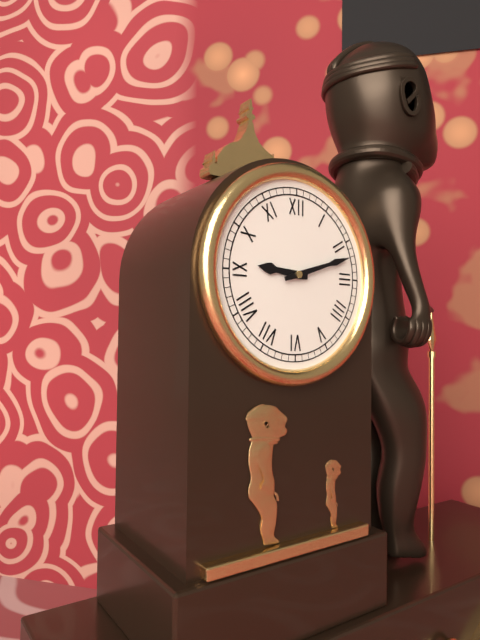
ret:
9:12
